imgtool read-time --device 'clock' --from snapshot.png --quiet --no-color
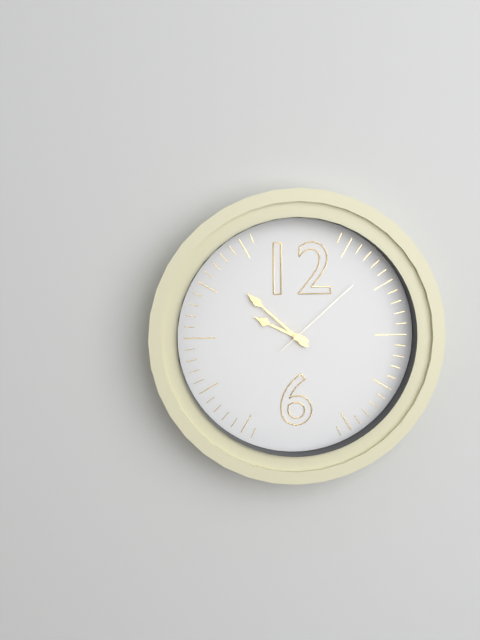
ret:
9:52:08
